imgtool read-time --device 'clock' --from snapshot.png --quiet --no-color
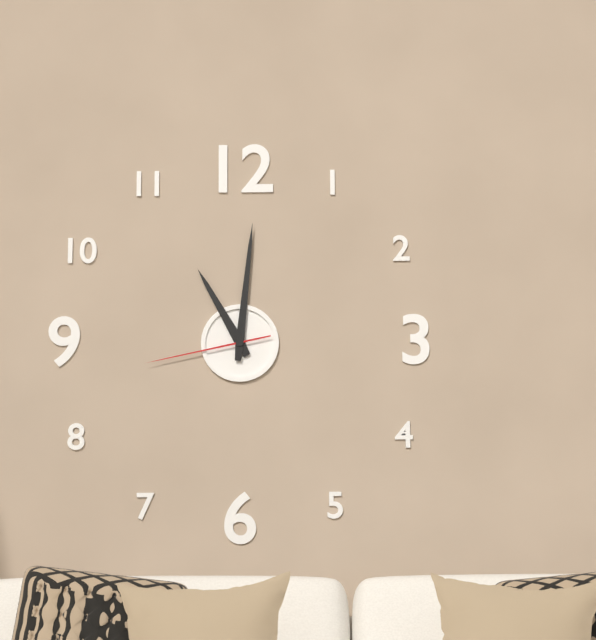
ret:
11:01:43
